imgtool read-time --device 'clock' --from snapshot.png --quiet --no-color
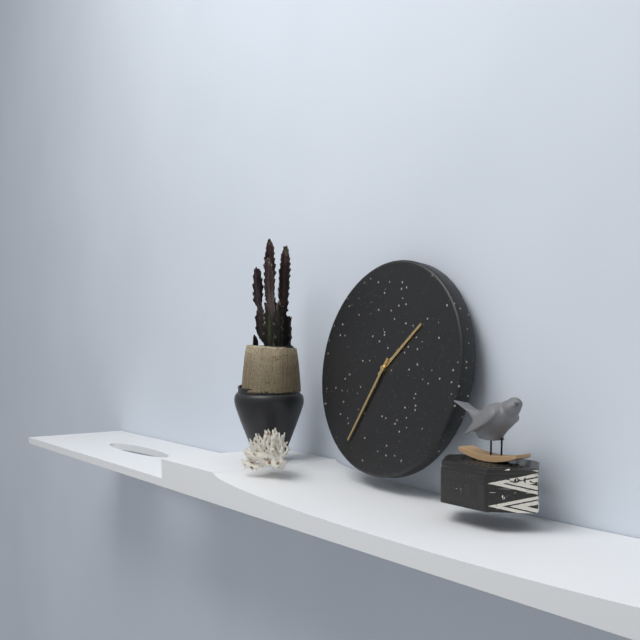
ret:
1:35
